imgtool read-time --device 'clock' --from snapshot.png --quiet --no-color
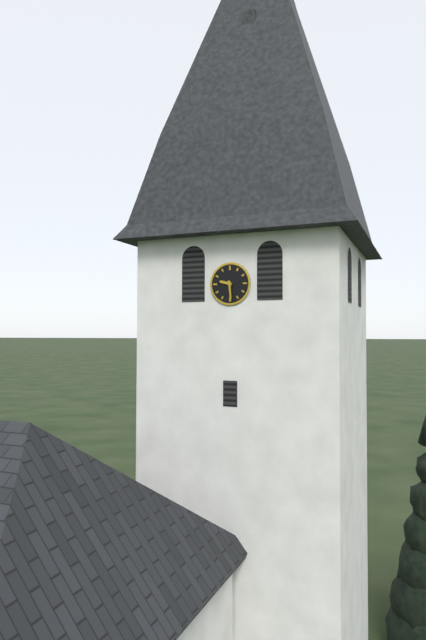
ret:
9:29
